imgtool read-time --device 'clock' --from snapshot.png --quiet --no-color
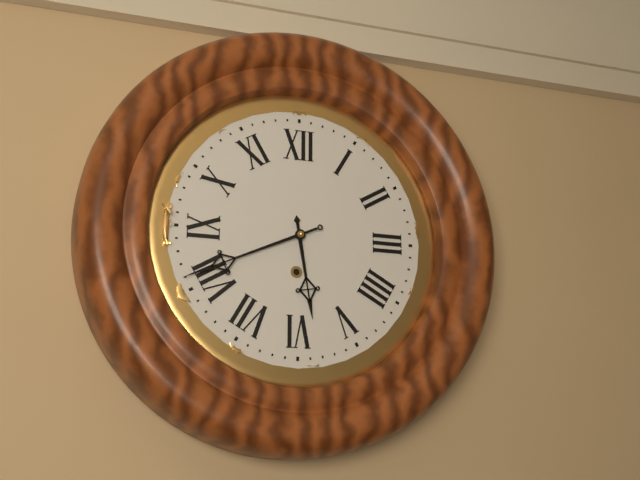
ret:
5:41
